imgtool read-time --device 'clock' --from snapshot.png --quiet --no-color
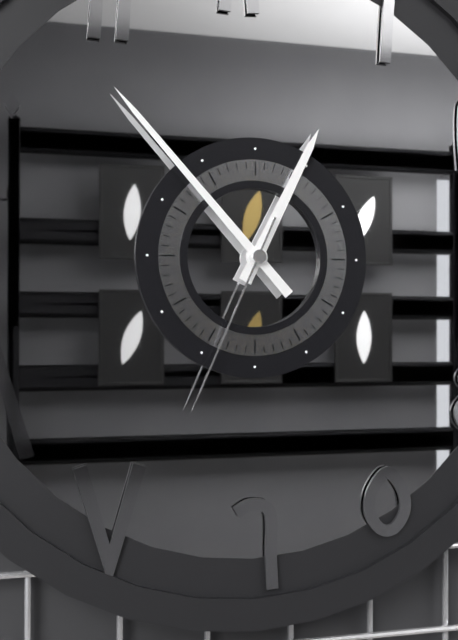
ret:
12:53:34
